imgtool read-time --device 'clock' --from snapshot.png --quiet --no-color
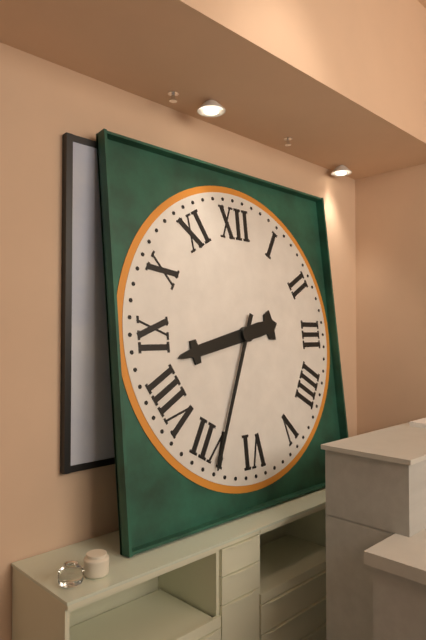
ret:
8:34
